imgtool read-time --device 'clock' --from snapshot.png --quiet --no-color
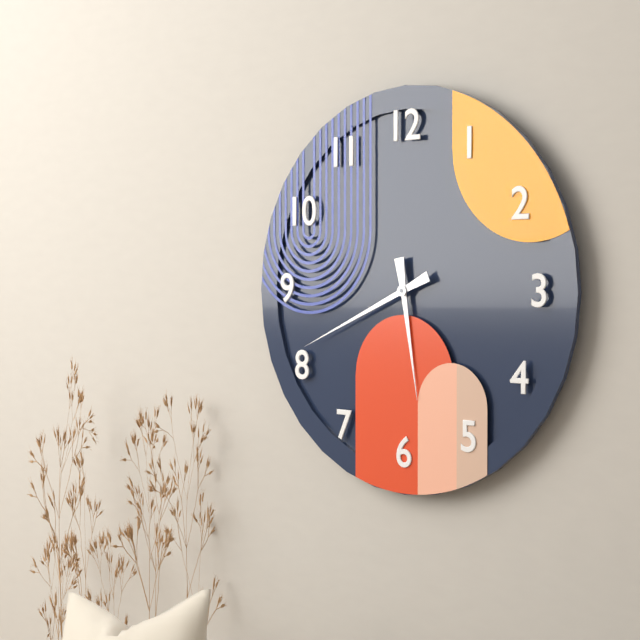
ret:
5:41
